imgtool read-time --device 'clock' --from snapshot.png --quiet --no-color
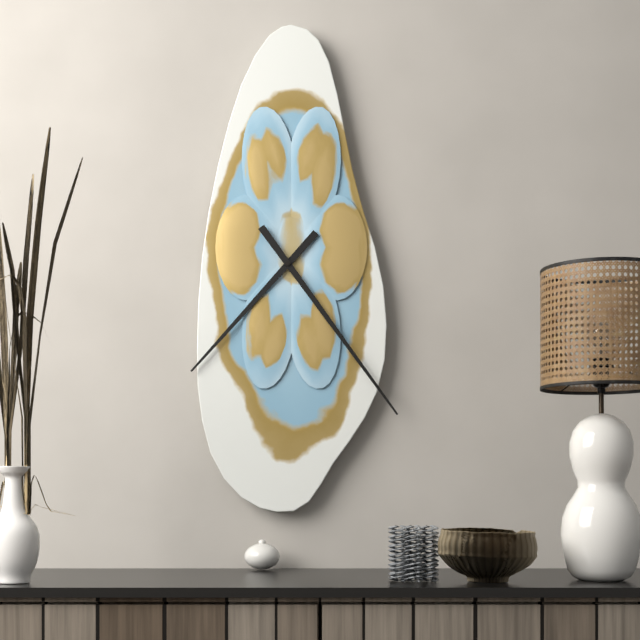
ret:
7:24
